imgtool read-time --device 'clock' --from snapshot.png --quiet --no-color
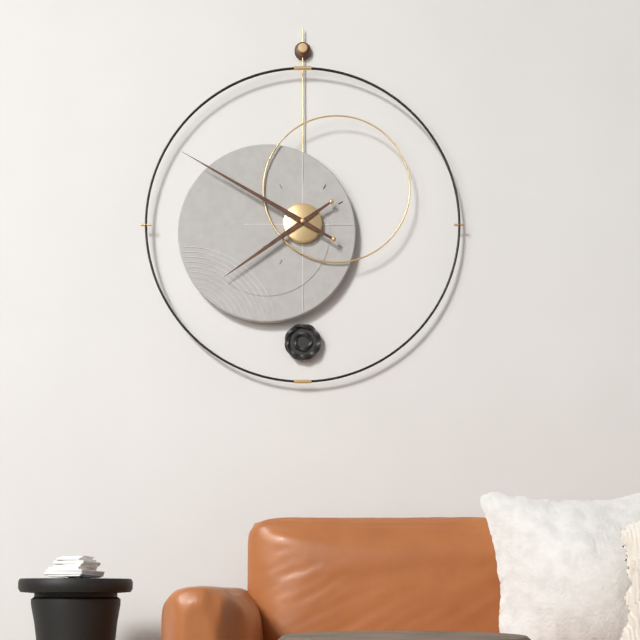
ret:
7:50
